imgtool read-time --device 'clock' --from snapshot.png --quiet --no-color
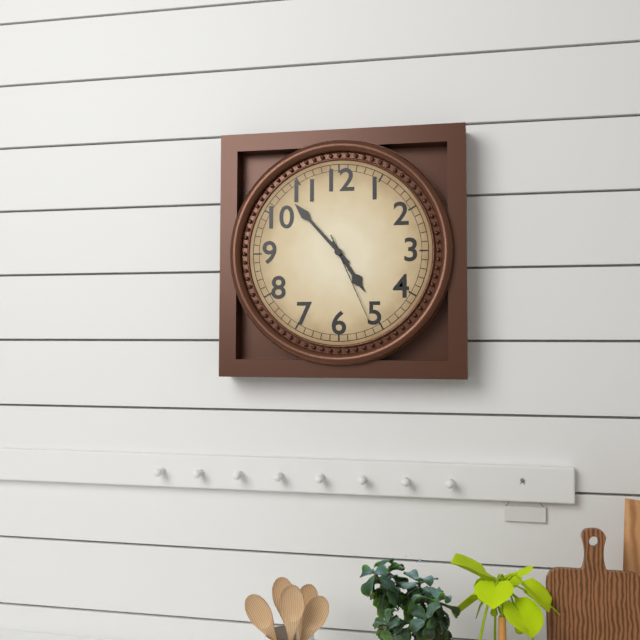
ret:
4:53:26
